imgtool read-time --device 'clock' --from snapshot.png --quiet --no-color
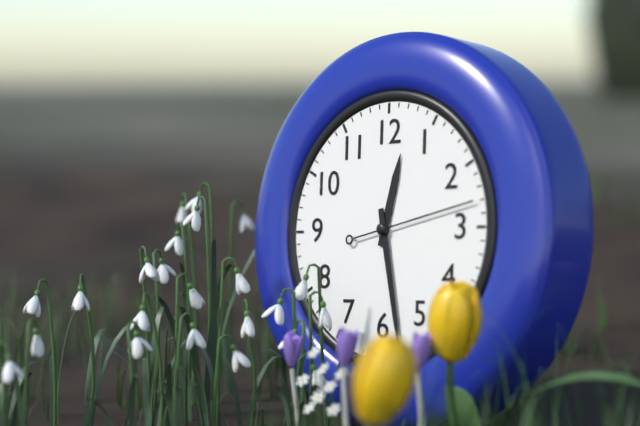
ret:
12:28:13
